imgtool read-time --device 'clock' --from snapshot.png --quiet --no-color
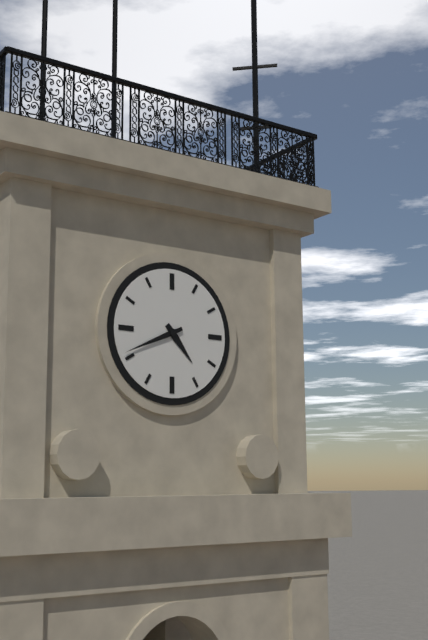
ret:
4:41
